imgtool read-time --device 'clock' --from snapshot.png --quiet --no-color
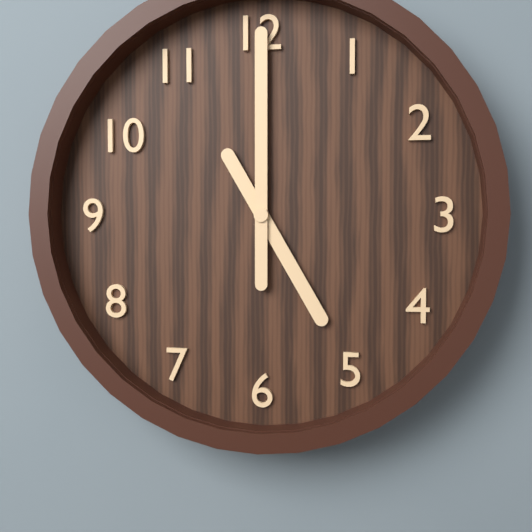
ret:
5:00
